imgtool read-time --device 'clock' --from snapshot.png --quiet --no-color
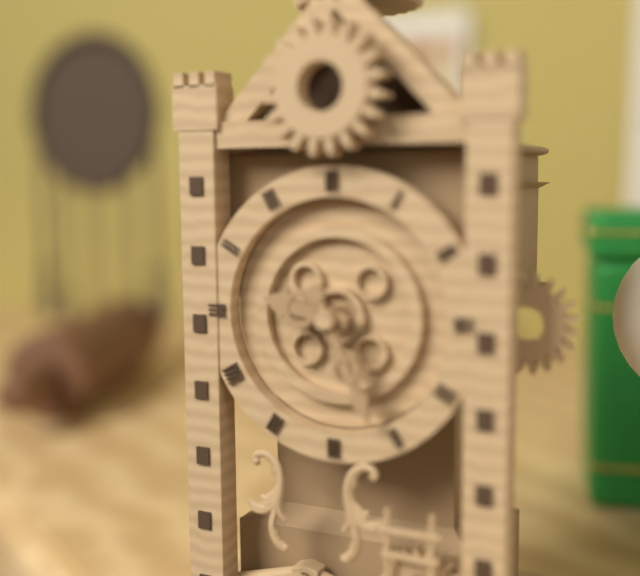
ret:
9:26
